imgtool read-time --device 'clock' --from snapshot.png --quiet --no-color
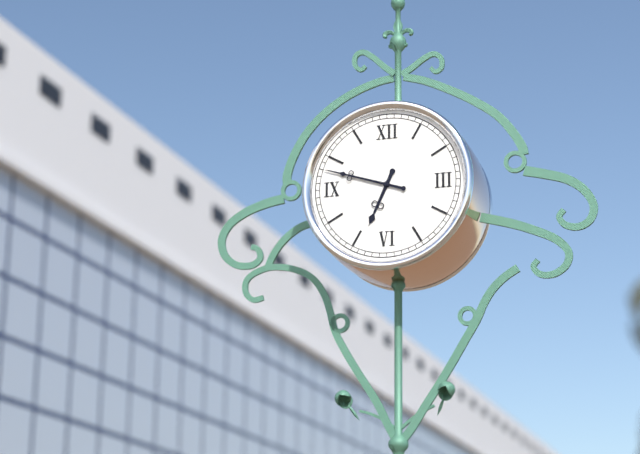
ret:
6:48
